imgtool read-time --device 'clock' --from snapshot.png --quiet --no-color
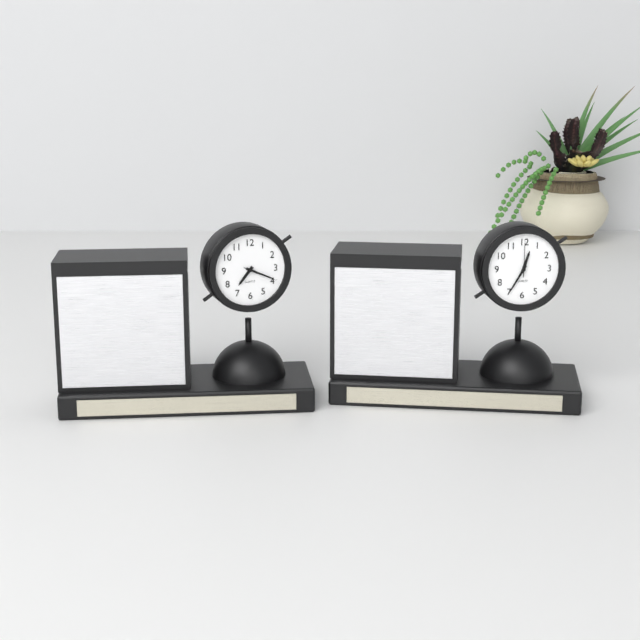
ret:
7:19
